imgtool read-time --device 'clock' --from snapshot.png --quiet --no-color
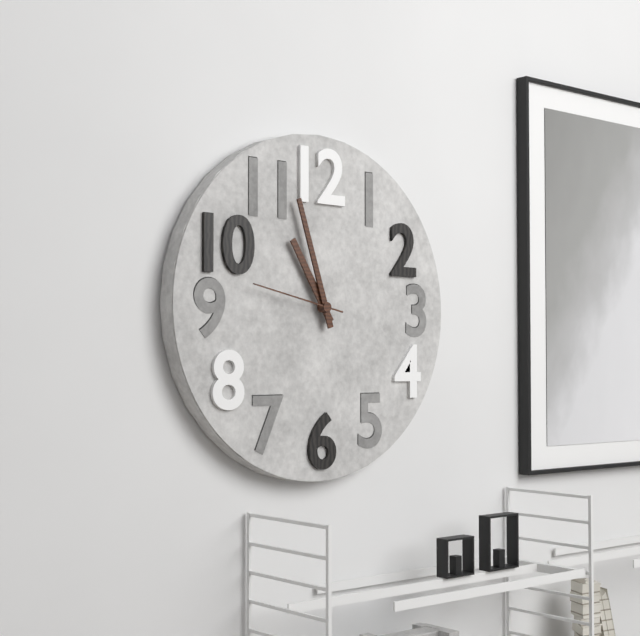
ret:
10:57:47
